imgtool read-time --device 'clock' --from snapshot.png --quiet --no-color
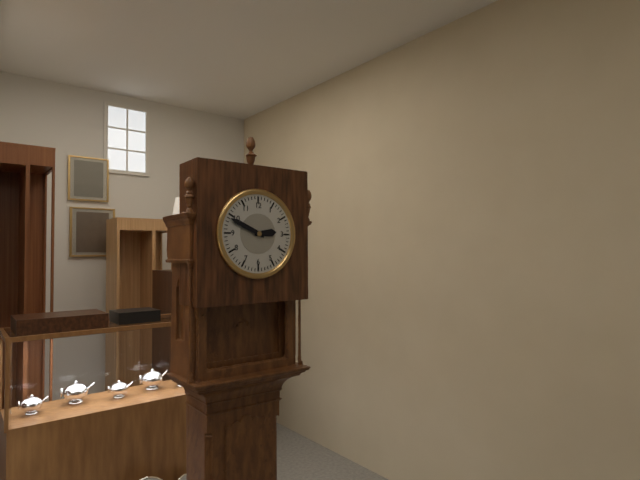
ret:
2:49
